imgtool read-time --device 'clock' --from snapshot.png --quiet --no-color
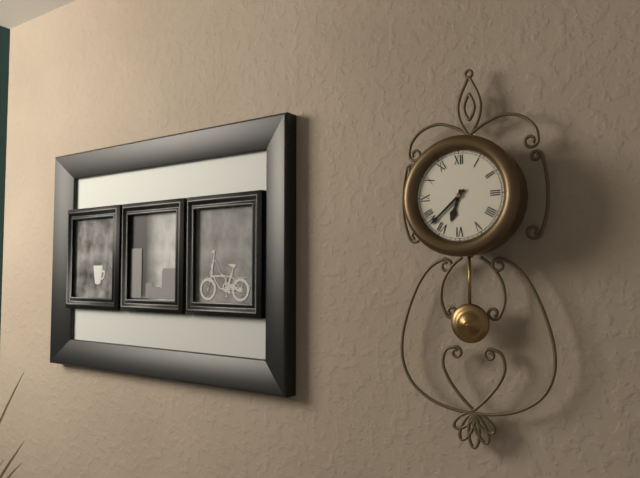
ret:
6:38
